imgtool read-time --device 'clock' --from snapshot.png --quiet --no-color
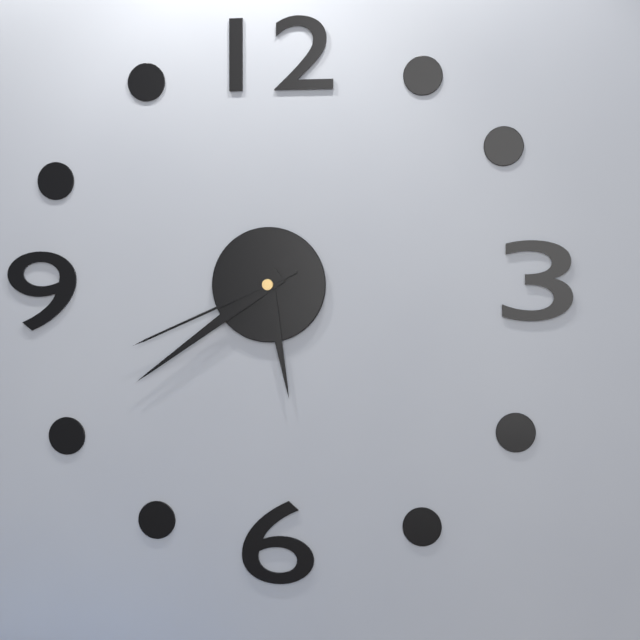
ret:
5:39:41
